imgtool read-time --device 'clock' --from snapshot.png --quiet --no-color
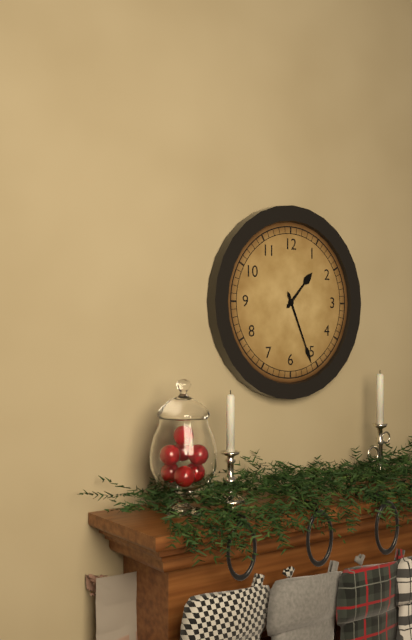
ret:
1:26
